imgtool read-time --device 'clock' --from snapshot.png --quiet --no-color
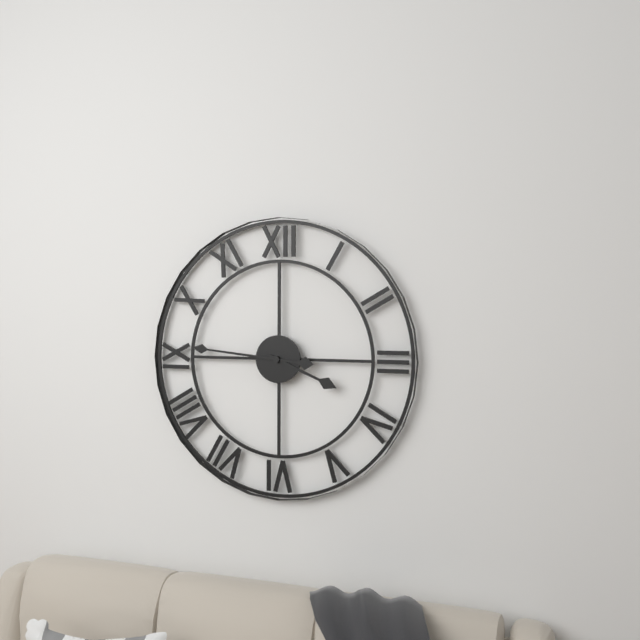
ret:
3:46
